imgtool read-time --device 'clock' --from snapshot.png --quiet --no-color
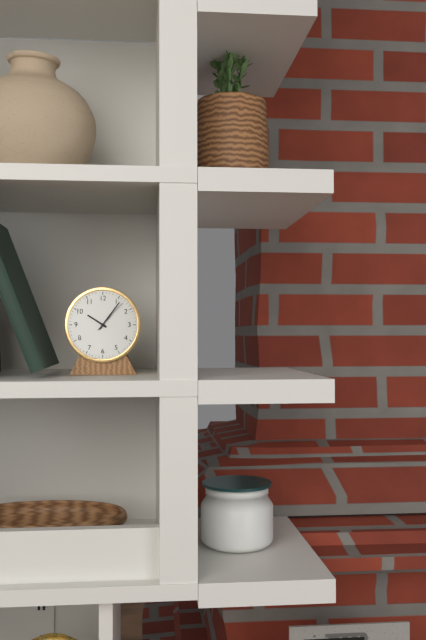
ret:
10:06
